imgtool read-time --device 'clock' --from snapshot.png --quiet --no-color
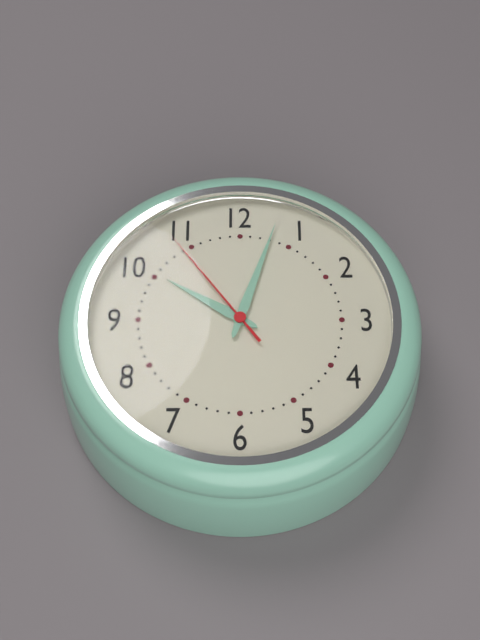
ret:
10:03:54
